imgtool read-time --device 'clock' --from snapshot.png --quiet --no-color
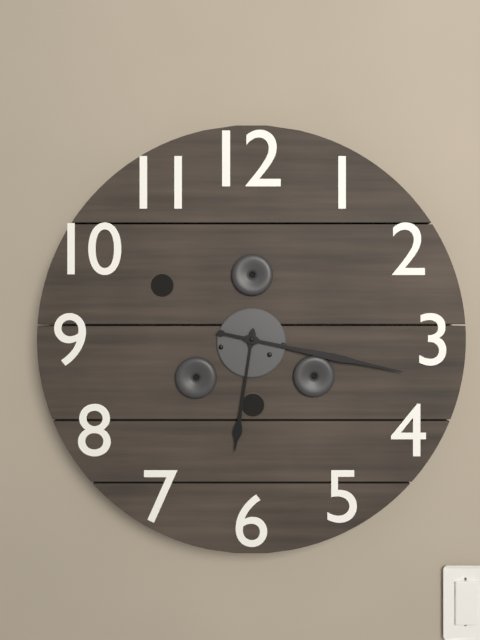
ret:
6:17
